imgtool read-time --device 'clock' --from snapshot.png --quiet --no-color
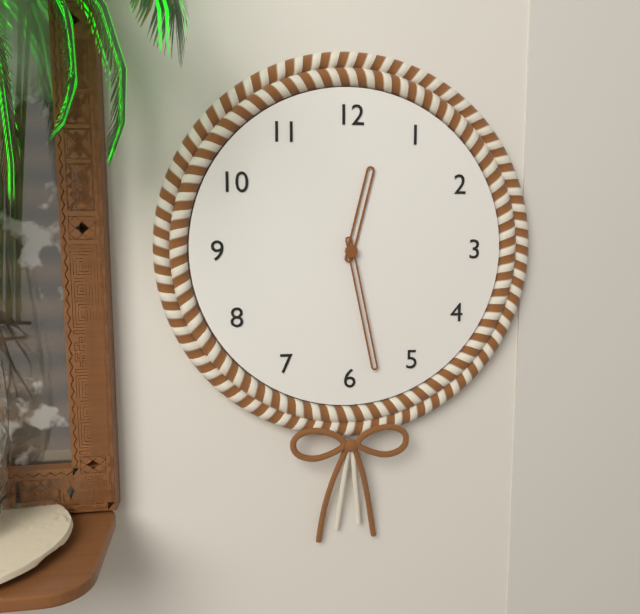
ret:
12:28
